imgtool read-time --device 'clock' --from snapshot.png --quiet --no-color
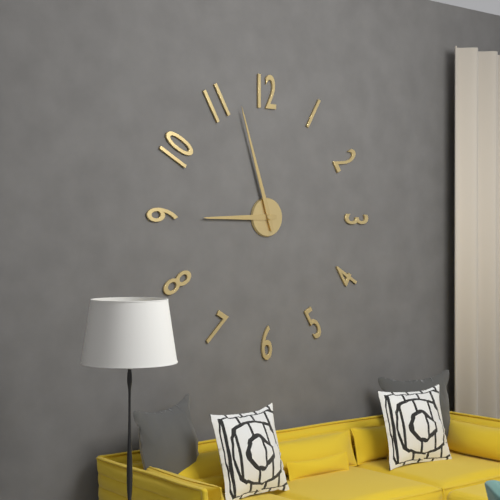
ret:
8:57
